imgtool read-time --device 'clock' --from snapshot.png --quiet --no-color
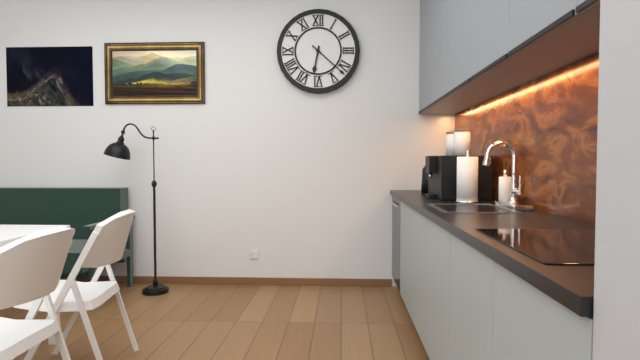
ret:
6:22
